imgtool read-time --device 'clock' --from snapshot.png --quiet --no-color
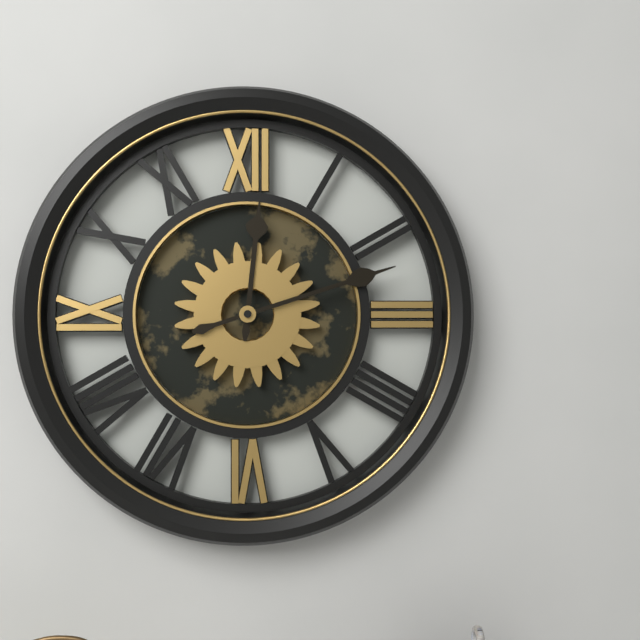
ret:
12:12
